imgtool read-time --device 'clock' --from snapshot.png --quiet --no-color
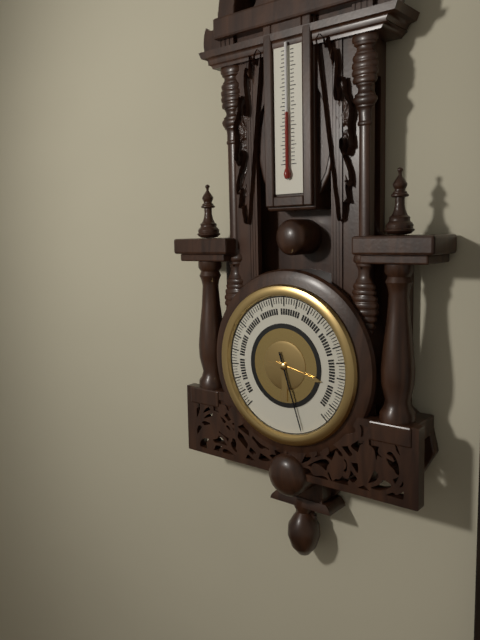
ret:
3:27
